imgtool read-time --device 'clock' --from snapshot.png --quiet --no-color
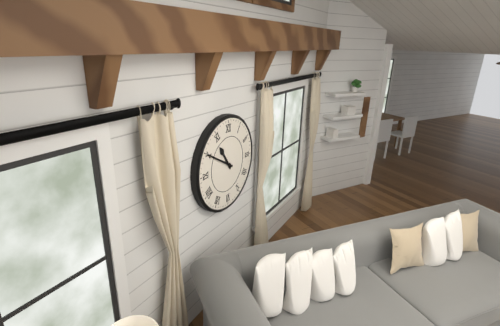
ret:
10:50
